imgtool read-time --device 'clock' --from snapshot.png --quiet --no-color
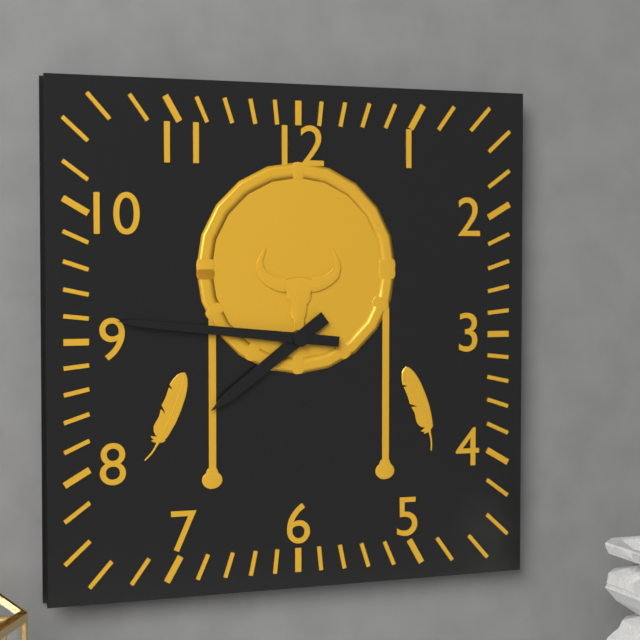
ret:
7:46
